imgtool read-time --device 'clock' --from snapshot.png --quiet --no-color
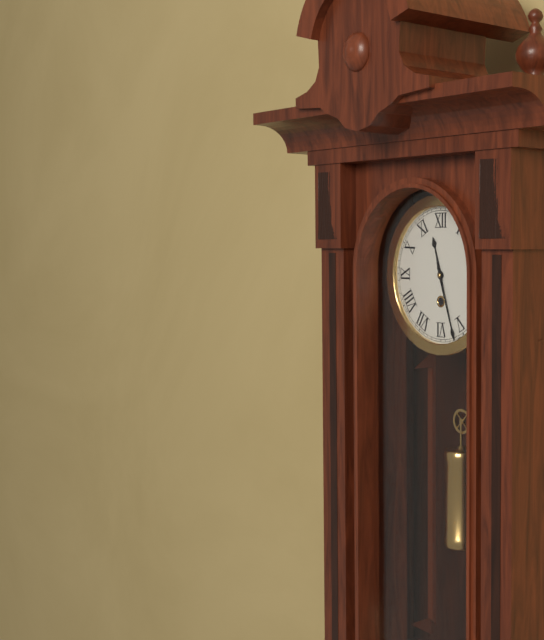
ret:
11:27
